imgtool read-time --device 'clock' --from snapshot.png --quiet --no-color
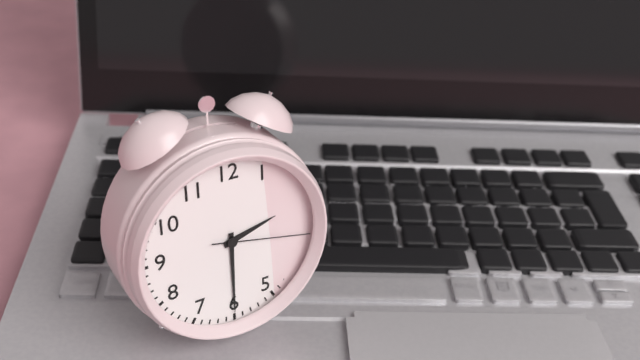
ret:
2:30:17
